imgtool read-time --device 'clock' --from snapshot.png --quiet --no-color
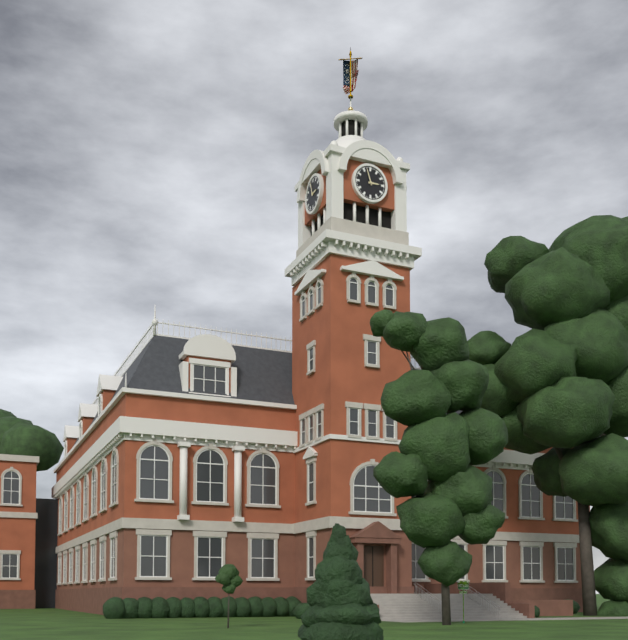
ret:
2:57
